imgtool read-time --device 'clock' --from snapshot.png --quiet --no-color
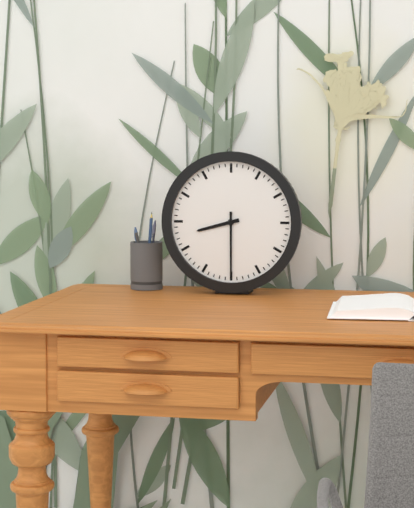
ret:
8:30
